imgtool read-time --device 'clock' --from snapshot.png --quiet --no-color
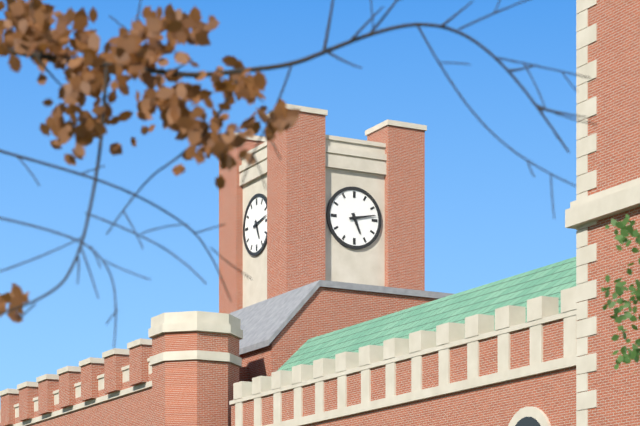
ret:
5:13
